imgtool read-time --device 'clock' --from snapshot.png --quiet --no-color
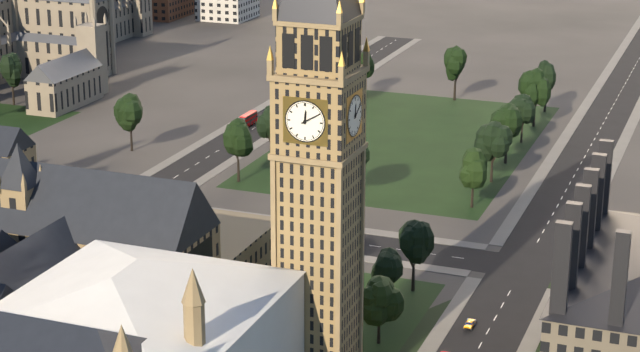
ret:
12:10
